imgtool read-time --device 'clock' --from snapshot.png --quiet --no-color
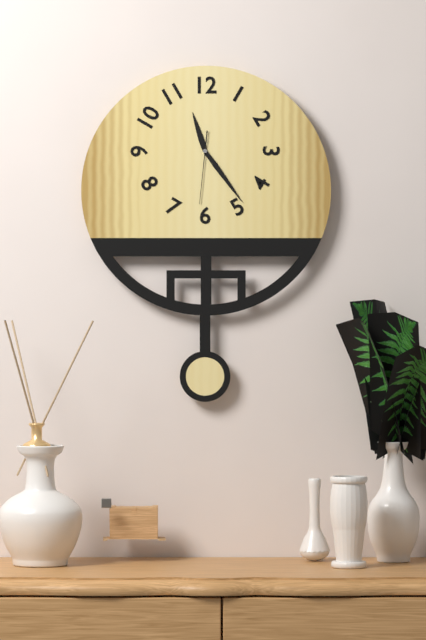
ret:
11:24:31
